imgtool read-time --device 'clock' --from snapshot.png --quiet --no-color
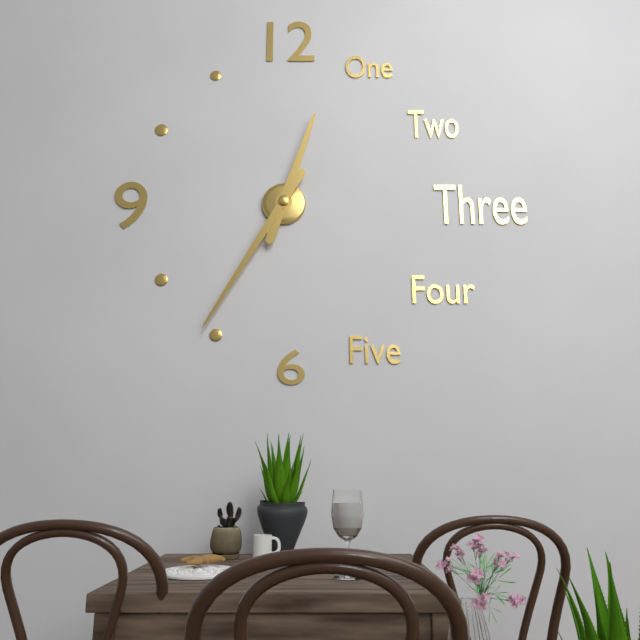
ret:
12:35
